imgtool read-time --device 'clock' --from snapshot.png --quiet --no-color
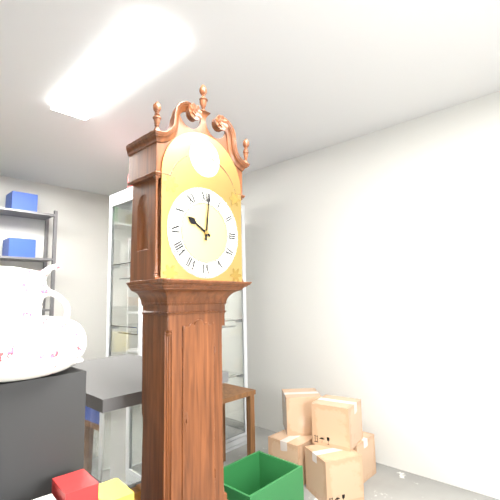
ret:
10:01
